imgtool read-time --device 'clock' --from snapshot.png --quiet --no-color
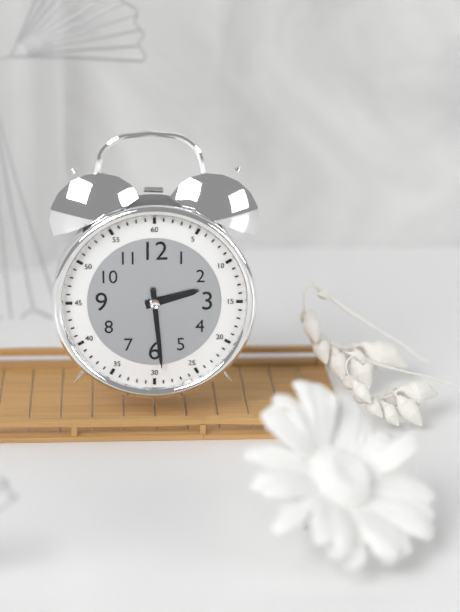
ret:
2:29
